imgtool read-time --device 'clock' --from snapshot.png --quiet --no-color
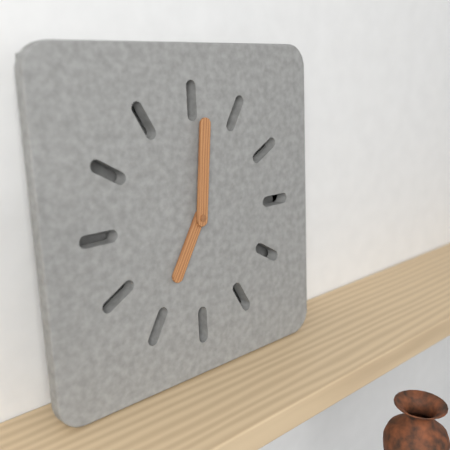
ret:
7:01
